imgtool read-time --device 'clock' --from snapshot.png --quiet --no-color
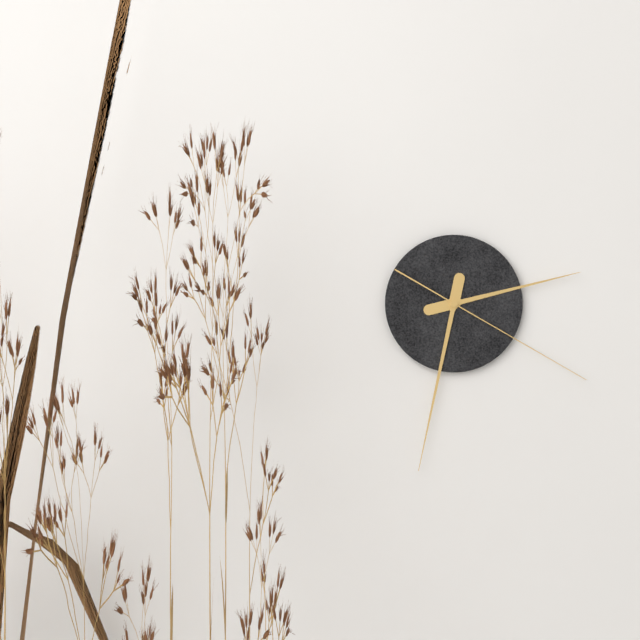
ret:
2:32:20
